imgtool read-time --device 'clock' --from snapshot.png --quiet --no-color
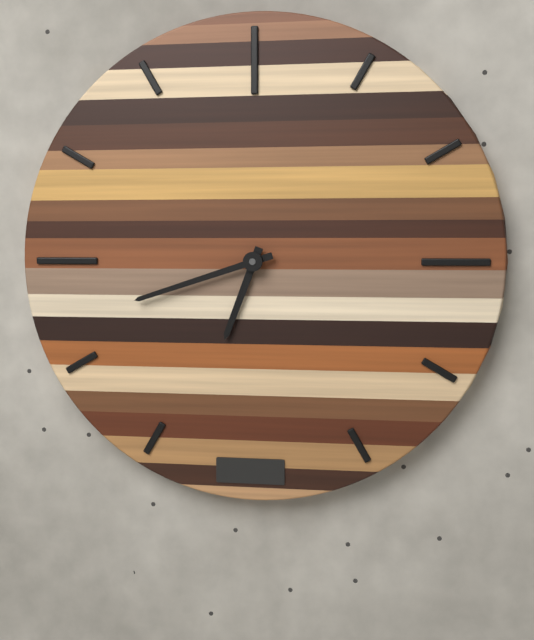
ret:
6:42
